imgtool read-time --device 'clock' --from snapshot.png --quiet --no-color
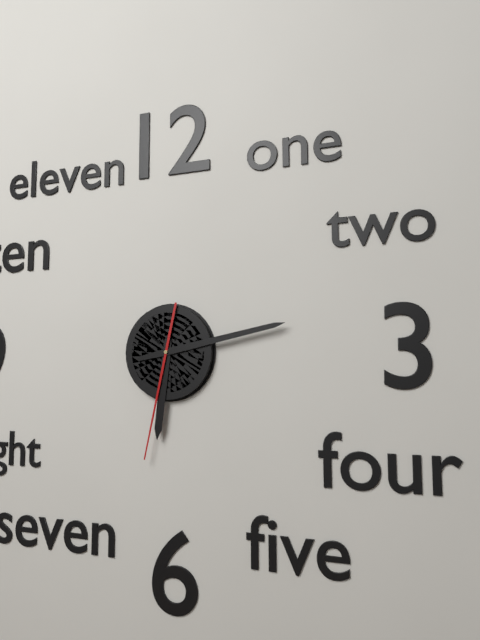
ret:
6:13:32
